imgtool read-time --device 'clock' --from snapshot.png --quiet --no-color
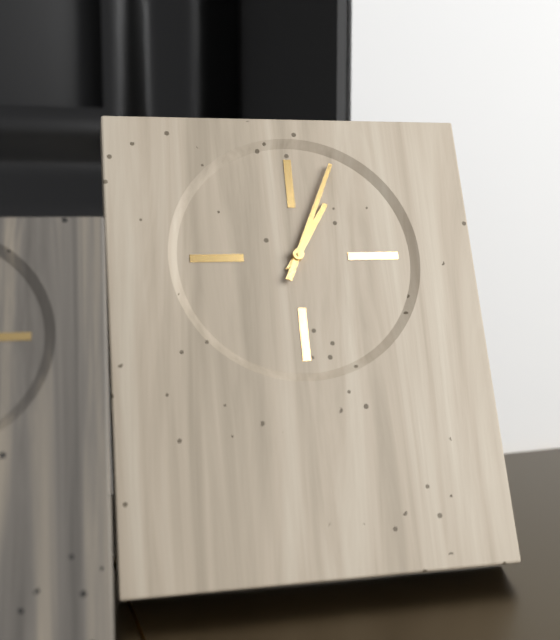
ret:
1:04
